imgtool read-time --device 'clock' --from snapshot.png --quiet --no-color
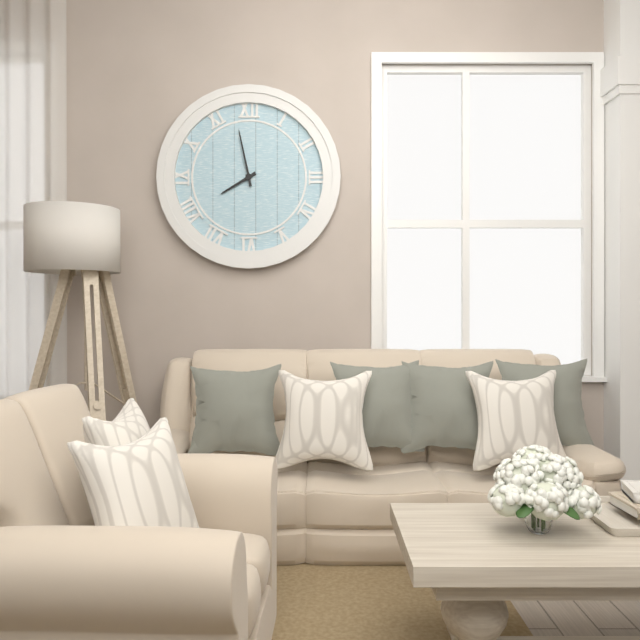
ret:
7:58
